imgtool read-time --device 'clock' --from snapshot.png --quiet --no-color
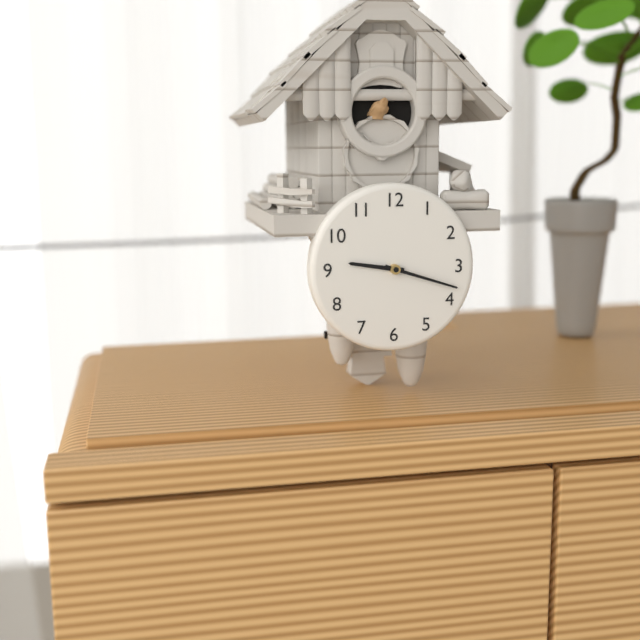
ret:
9:18
